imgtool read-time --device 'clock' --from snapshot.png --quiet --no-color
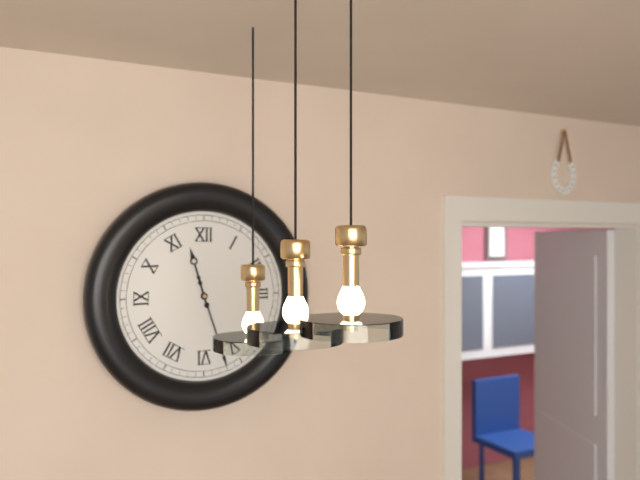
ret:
11:27
